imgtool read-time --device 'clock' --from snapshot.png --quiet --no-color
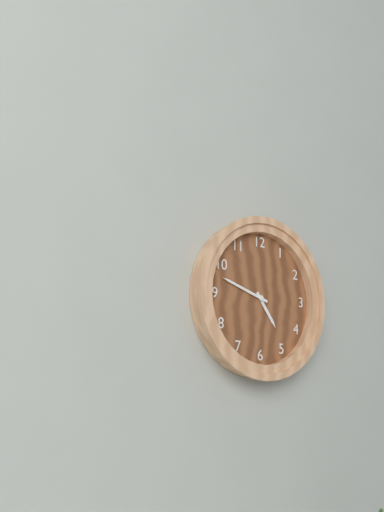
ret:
4:48
